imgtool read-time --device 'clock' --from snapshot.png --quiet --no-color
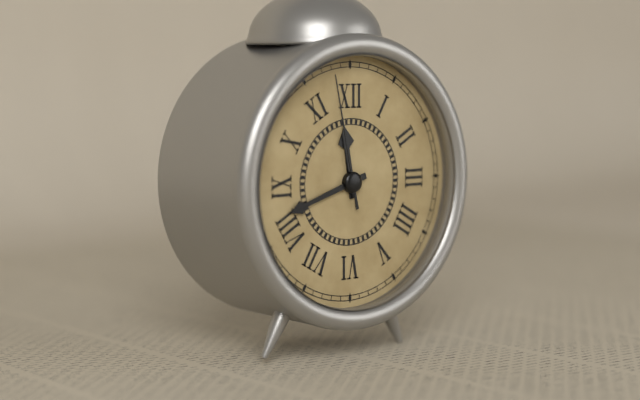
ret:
11:42:58
